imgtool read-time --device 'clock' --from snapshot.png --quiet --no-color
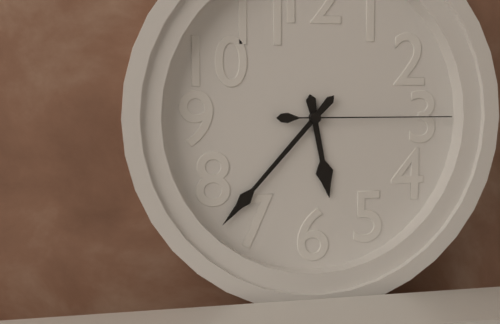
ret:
5:37:15
